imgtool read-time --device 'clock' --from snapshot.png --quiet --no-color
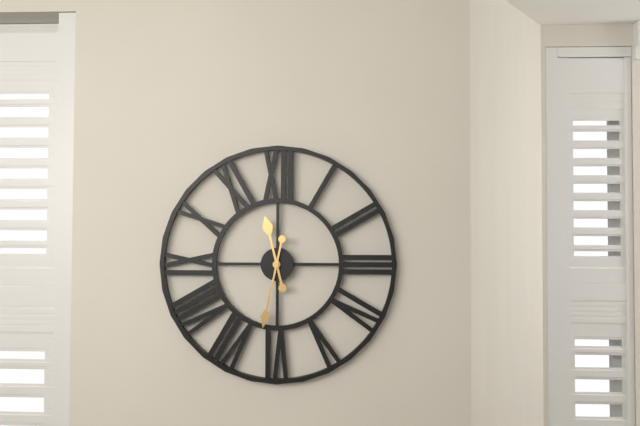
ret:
11:32
